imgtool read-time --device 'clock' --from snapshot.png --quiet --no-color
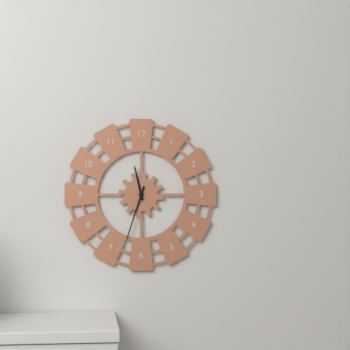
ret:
11:33
